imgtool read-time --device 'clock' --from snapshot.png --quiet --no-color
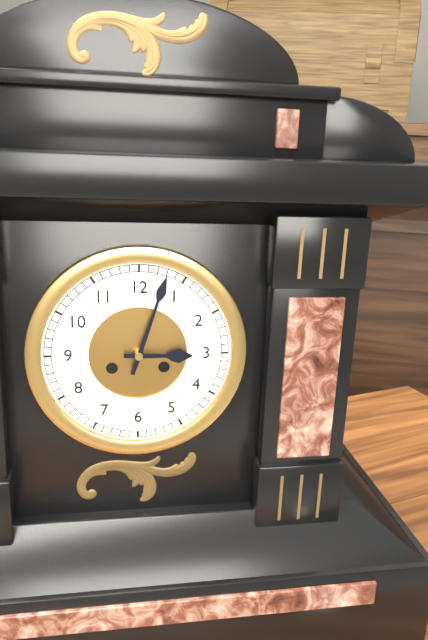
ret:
3:03
